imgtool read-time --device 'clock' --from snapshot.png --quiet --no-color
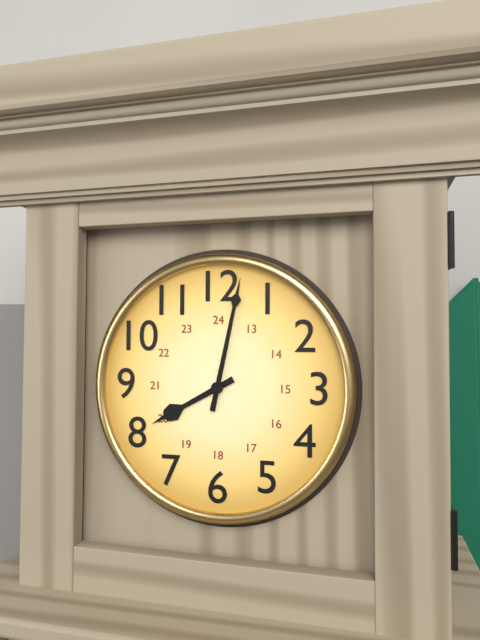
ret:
8:02
